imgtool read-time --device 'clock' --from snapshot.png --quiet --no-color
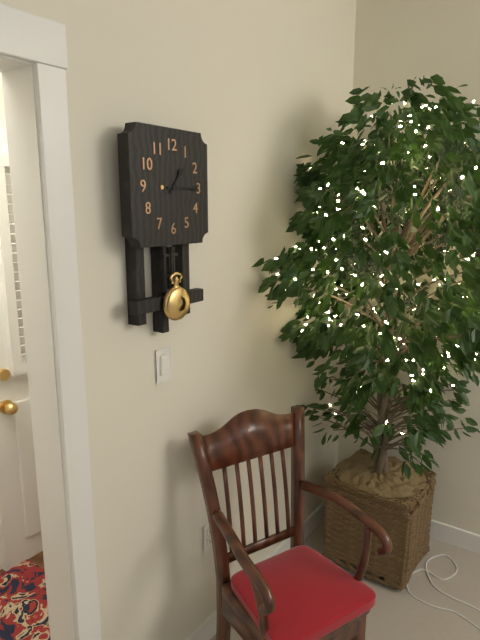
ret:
1:15
